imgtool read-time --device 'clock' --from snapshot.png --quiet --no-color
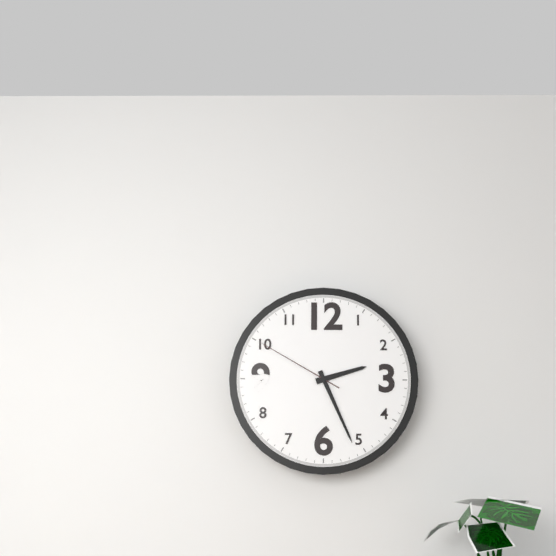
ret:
2:26:50
